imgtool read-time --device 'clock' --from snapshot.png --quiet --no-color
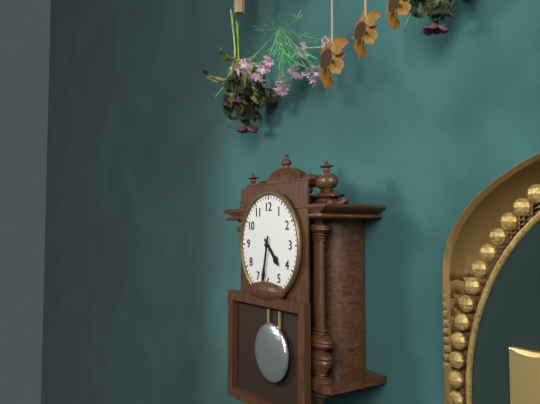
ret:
4:32
